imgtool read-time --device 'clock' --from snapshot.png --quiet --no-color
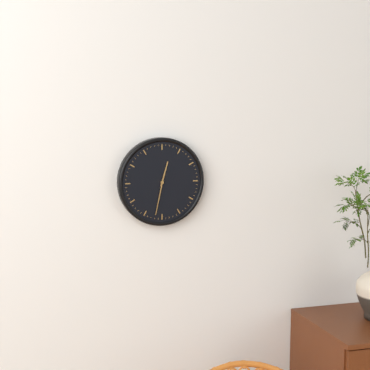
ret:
12:32
